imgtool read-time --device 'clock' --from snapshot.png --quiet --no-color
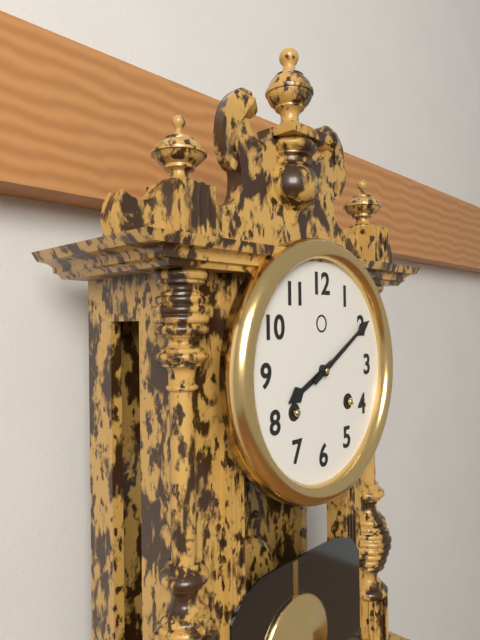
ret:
8:10
